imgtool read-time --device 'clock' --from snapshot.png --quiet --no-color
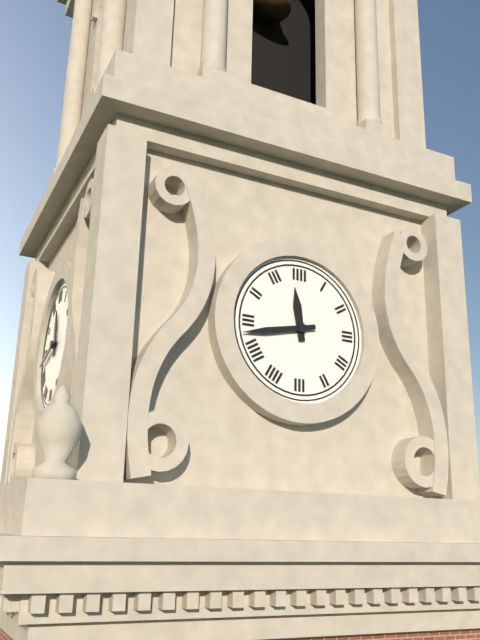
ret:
11:43
